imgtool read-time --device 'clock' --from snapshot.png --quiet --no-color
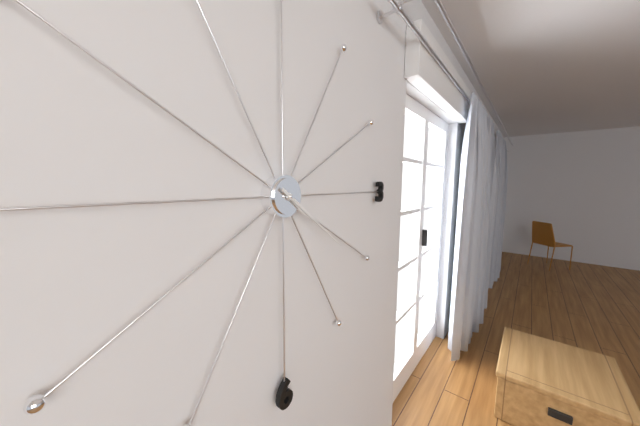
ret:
4:21
